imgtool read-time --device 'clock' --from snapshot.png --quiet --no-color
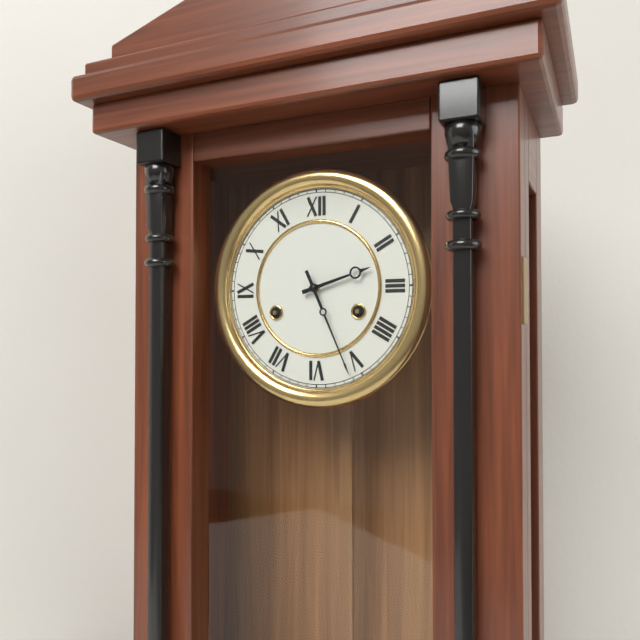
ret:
2:26
